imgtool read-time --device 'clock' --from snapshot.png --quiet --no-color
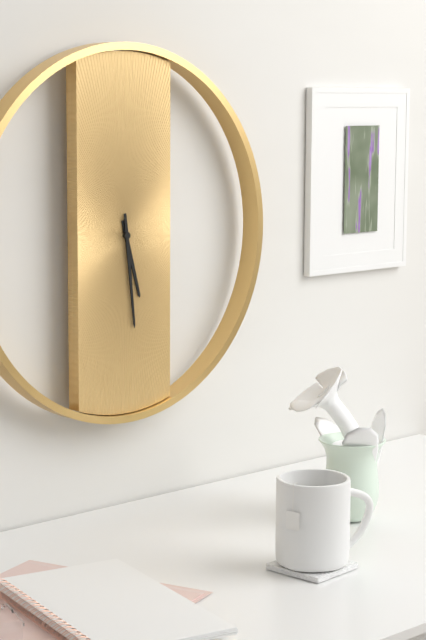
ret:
5:29
